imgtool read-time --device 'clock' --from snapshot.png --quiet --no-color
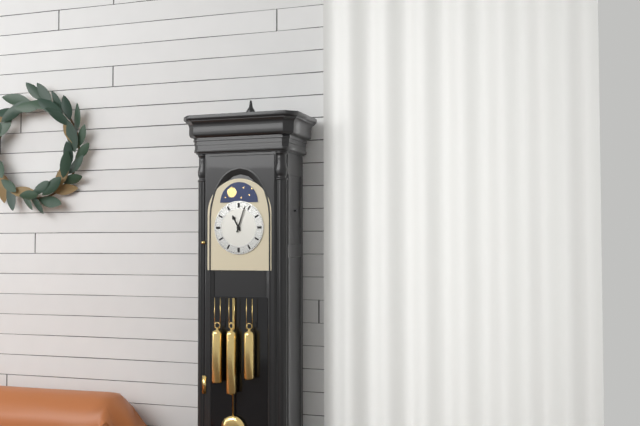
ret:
11:03
